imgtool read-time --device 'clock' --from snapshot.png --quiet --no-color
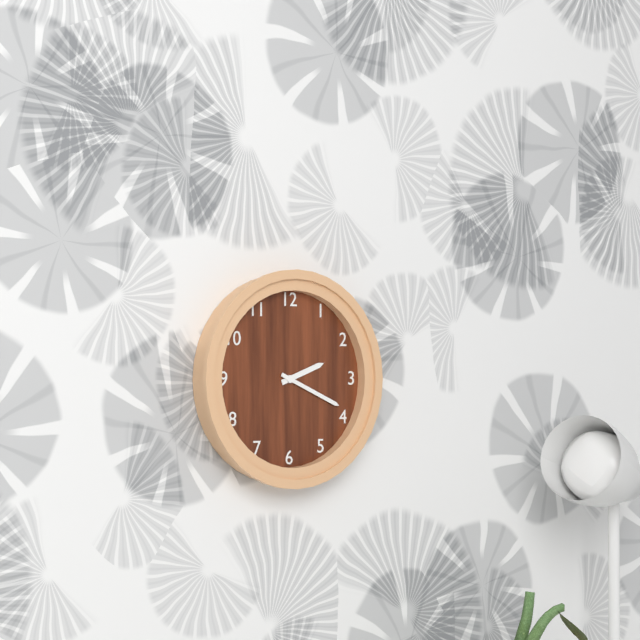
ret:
2:19
